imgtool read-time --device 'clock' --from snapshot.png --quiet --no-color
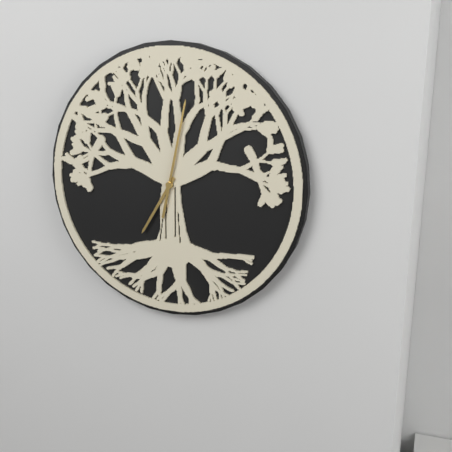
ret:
7:02
